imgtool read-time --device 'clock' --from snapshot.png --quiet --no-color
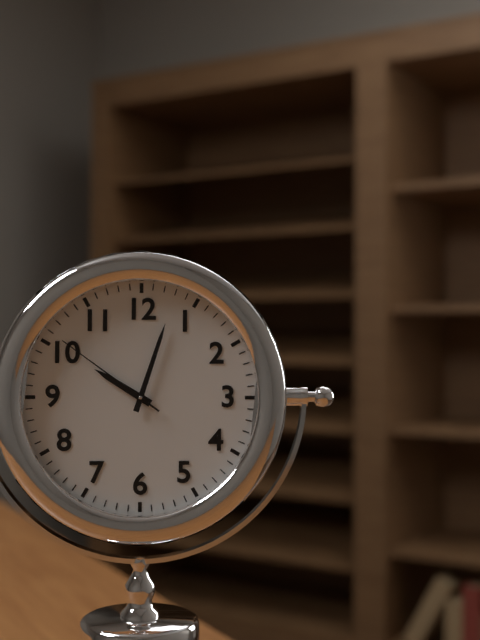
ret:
10:03:51
